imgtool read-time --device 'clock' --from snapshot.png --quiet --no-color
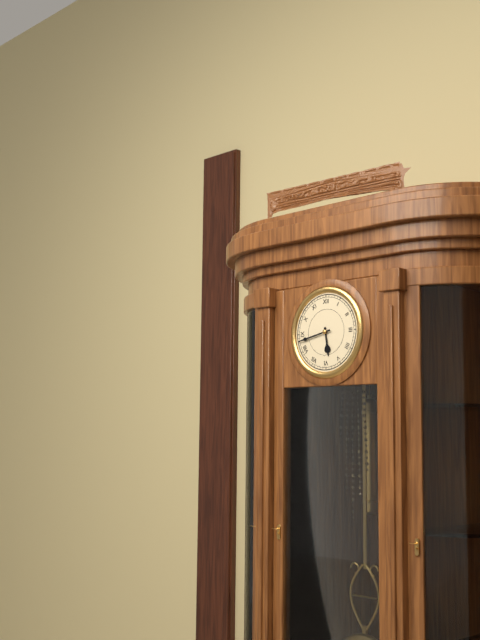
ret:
5:43
